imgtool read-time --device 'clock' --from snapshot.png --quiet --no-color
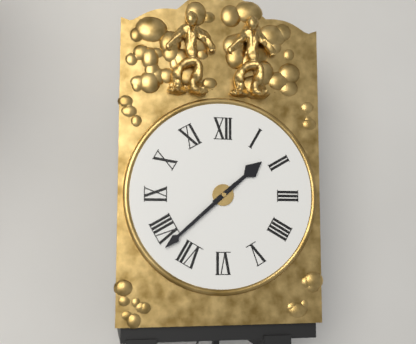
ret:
1:38
